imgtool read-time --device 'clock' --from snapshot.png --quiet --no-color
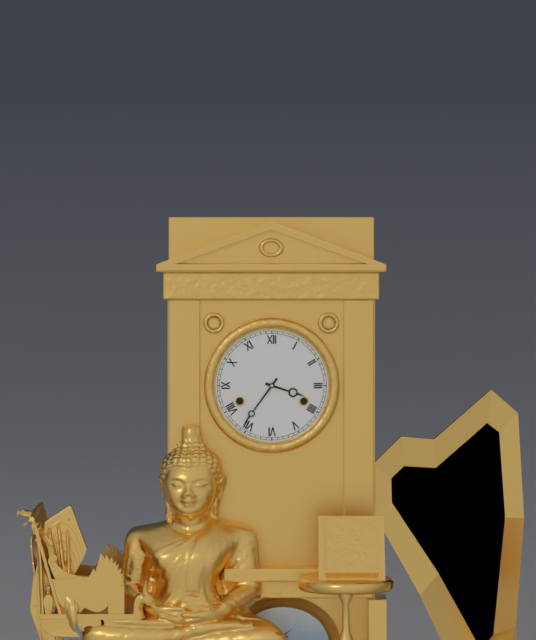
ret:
3:36
